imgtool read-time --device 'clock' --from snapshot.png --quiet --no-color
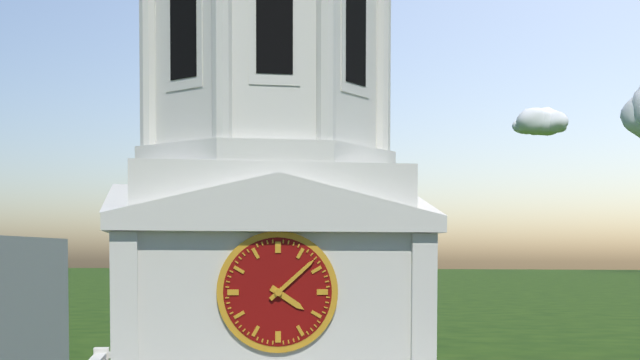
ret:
4:08
